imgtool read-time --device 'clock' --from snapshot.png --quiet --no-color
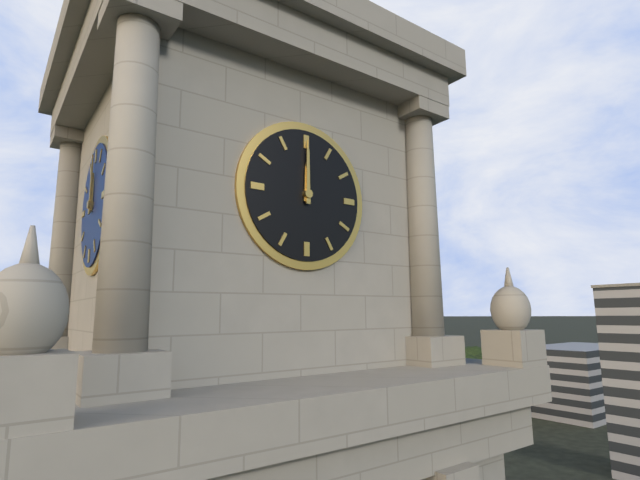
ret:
12:00
